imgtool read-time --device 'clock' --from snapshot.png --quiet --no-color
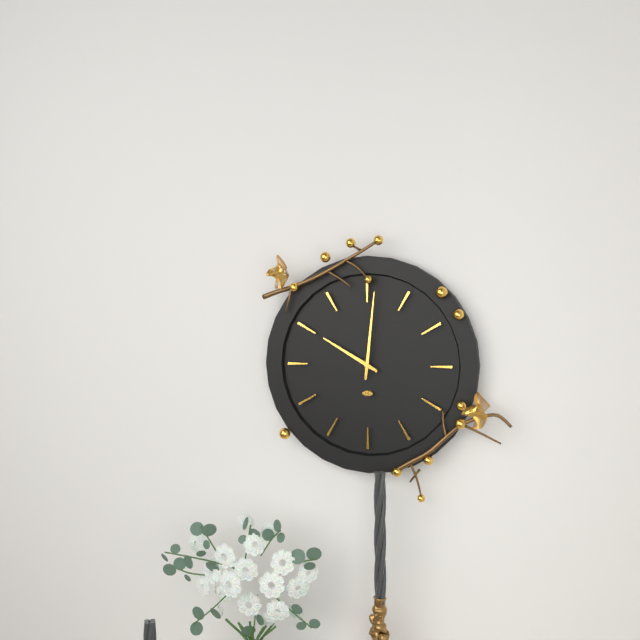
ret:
10:01
